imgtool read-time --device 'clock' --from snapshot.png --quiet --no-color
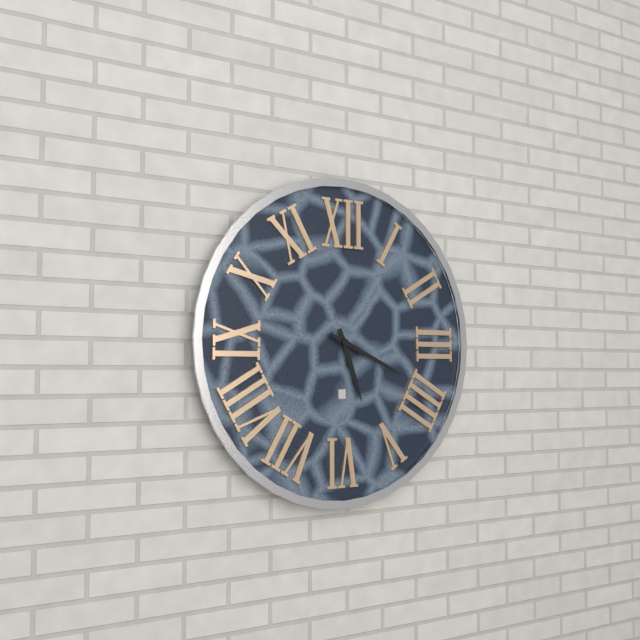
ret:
5:19
